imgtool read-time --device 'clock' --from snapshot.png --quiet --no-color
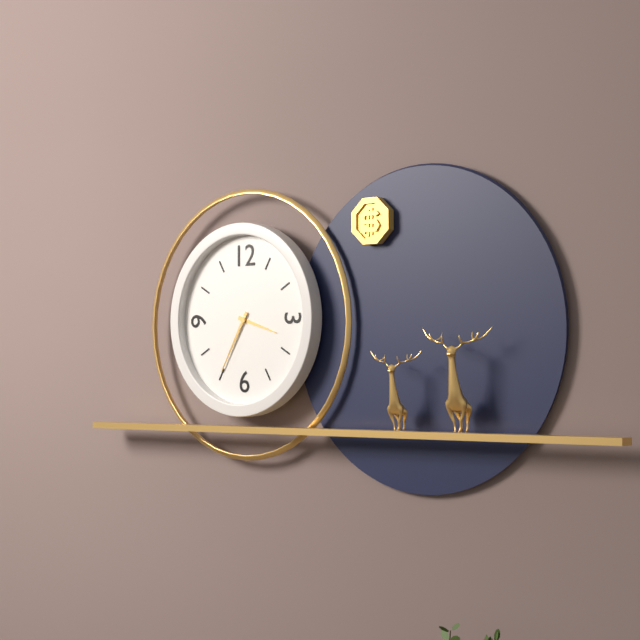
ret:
3:35
